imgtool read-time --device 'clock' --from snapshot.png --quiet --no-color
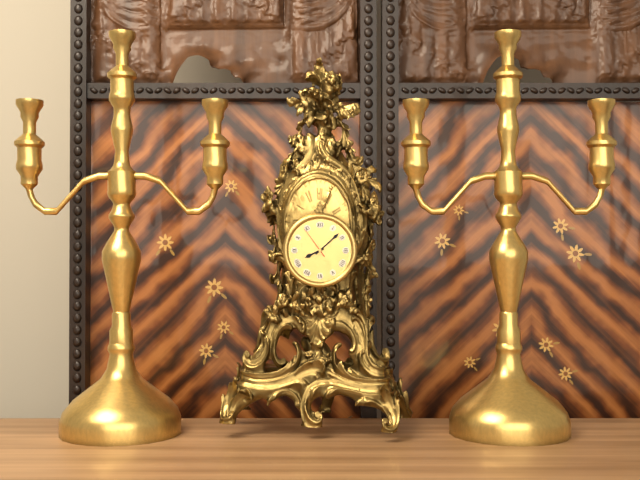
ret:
8:08
